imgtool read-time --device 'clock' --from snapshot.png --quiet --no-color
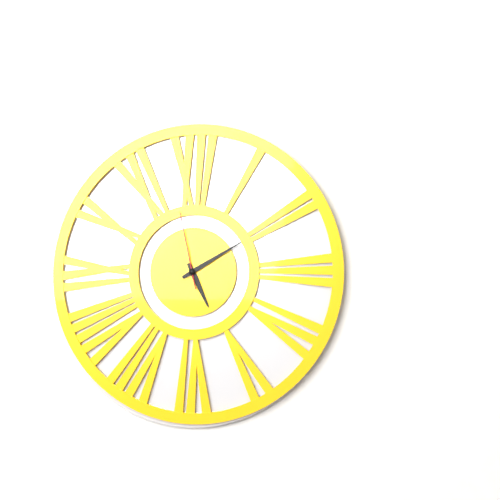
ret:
5:10:58
